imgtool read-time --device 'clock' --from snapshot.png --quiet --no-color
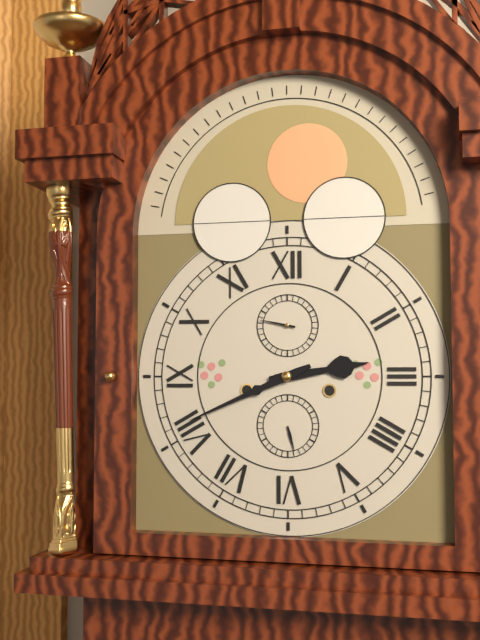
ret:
2:41
